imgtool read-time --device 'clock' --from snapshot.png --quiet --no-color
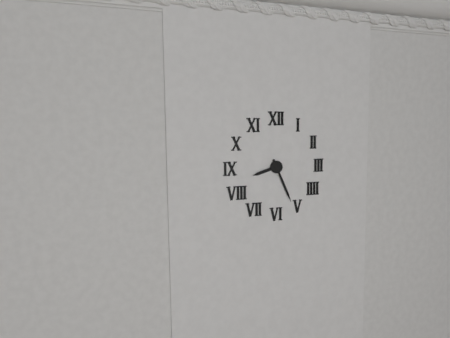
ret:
8:26
